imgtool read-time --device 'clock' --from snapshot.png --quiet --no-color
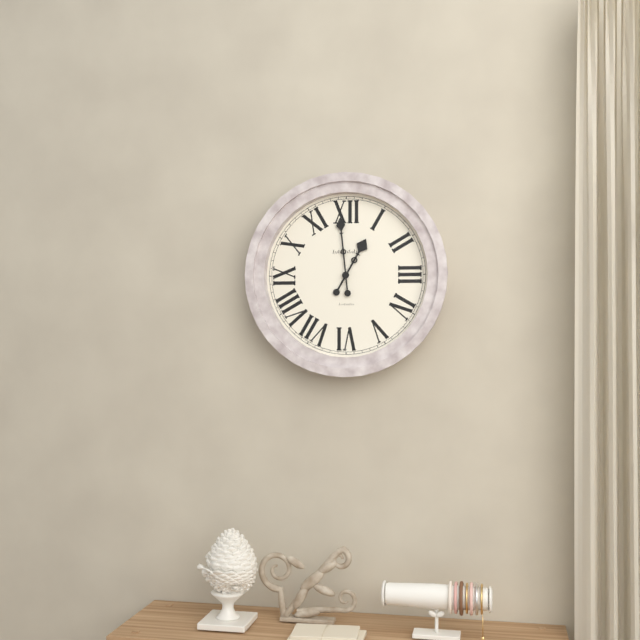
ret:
12:59
